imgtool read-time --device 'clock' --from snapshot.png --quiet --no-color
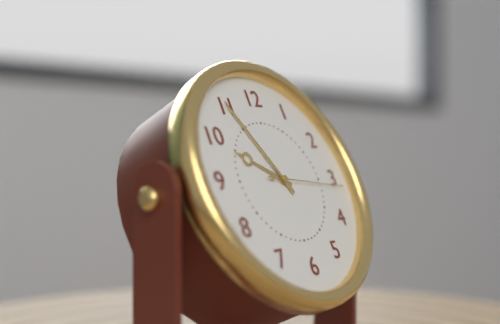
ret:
9:55:16
